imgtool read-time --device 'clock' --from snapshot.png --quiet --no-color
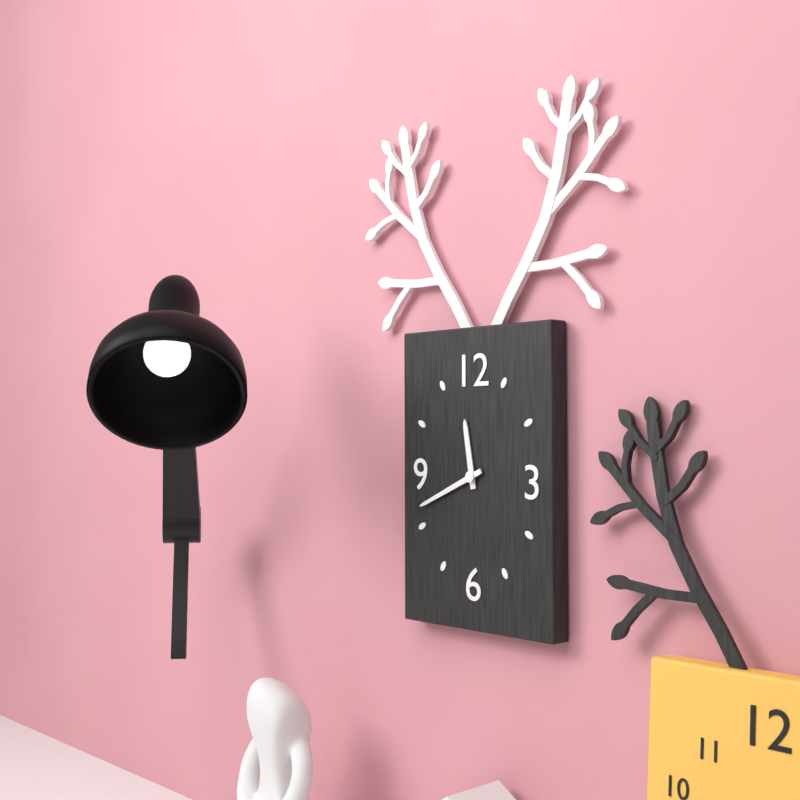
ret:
11:41
